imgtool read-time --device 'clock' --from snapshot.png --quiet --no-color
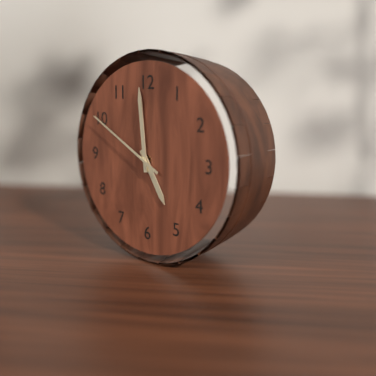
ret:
4:59:50
